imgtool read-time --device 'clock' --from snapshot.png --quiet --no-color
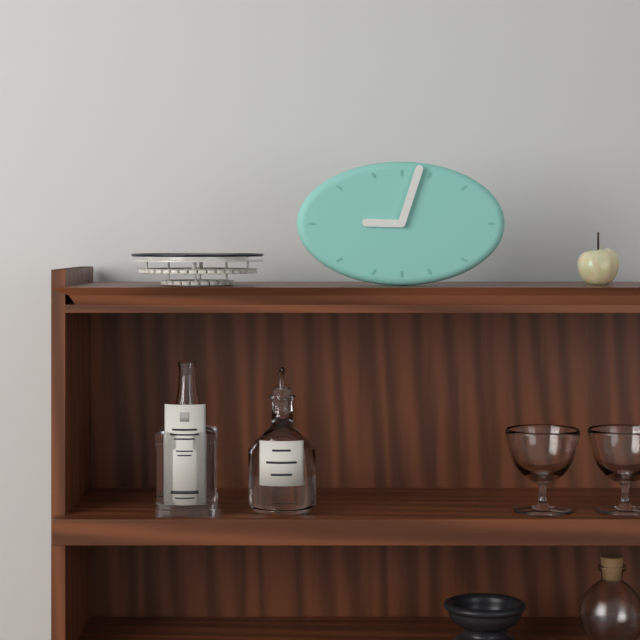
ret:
9:03
